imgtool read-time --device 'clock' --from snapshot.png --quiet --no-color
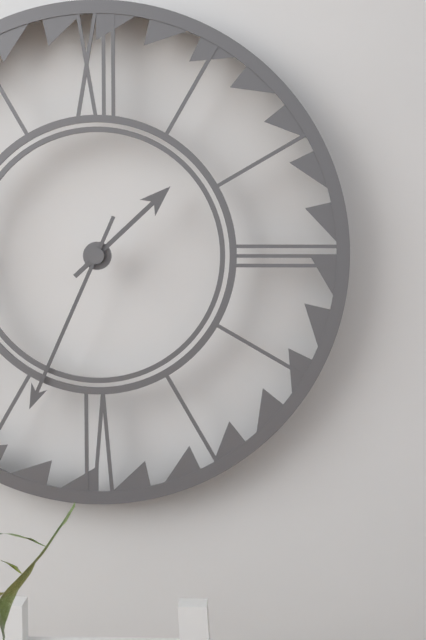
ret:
1:34
